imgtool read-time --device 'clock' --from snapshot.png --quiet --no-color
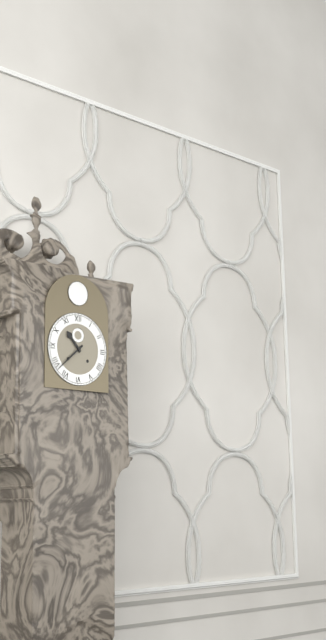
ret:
10:38
